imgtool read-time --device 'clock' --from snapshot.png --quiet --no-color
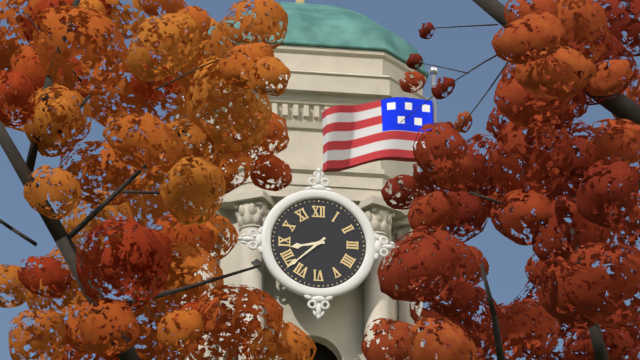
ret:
8:38
